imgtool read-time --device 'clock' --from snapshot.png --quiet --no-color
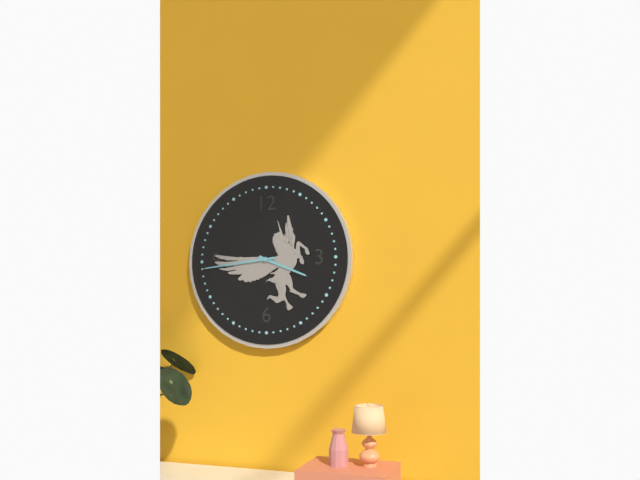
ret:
3:44
